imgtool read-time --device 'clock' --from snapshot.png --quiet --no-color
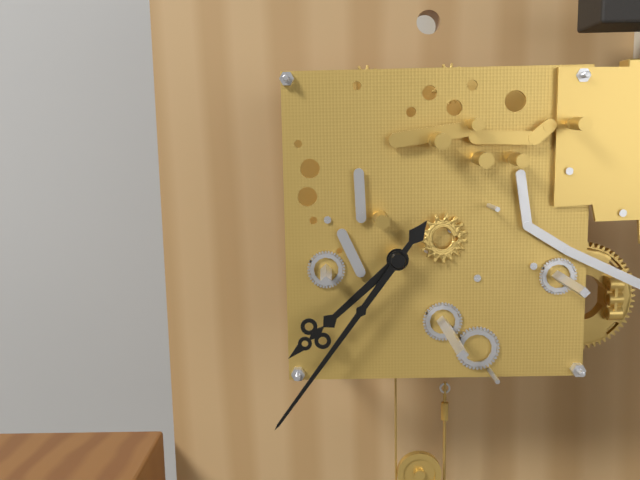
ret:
7:36
